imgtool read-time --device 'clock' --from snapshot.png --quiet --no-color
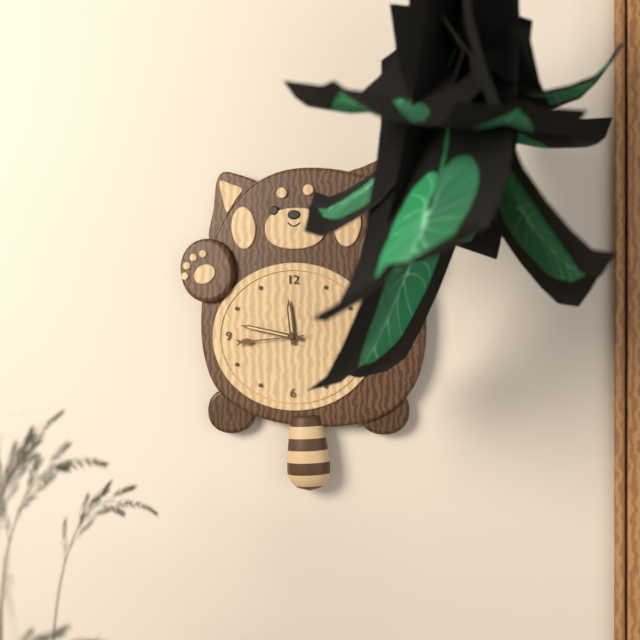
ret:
11:47:44
